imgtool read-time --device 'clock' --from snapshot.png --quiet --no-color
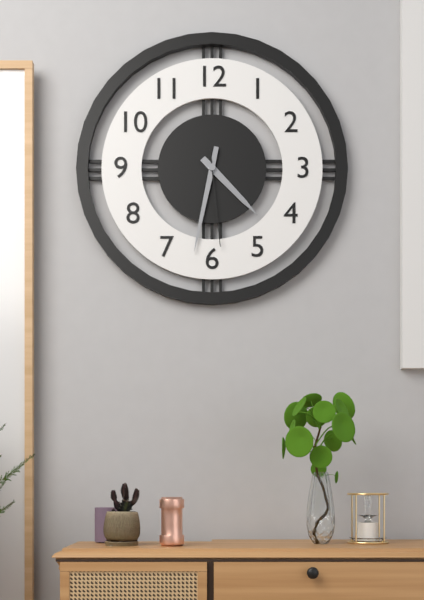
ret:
4:32:29
